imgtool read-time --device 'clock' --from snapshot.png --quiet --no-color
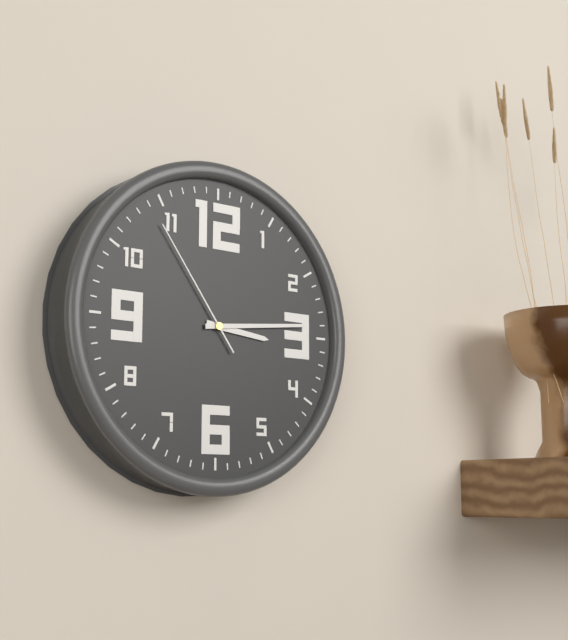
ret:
3:14:54
